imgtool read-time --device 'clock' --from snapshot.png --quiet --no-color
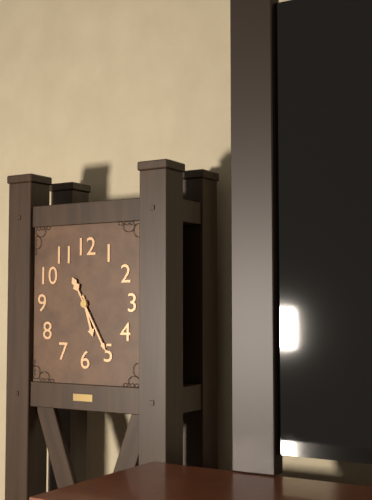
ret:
5:25
